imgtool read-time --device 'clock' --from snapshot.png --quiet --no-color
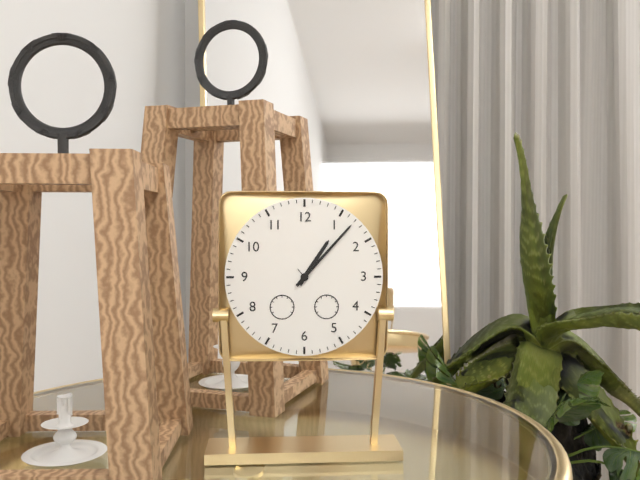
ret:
1:07
